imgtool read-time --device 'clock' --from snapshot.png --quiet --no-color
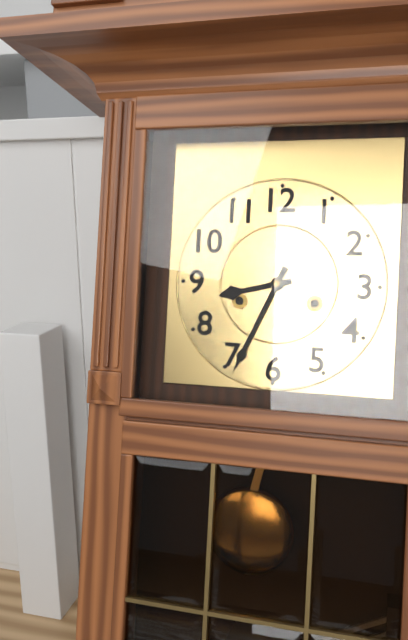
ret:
8:34
